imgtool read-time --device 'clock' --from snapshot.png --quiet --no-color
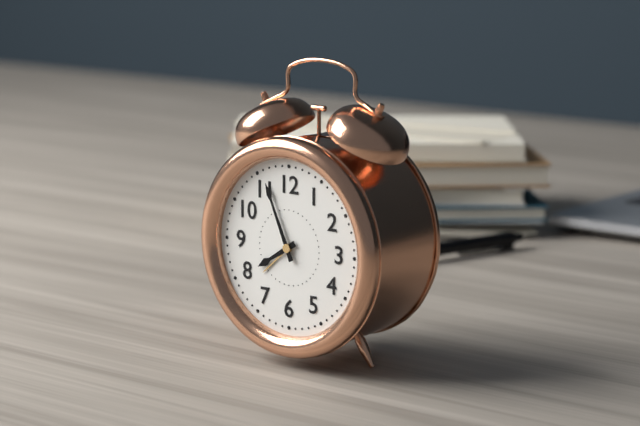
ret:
7:56
